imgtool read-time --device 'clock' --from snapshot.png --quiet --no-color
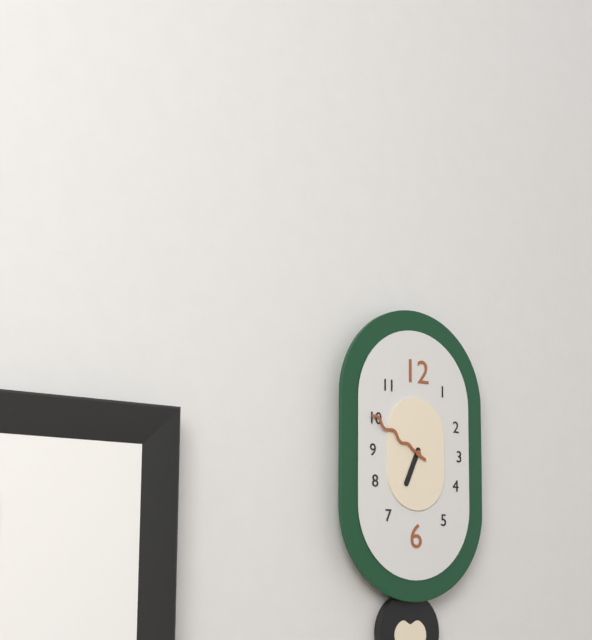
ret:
6:50
